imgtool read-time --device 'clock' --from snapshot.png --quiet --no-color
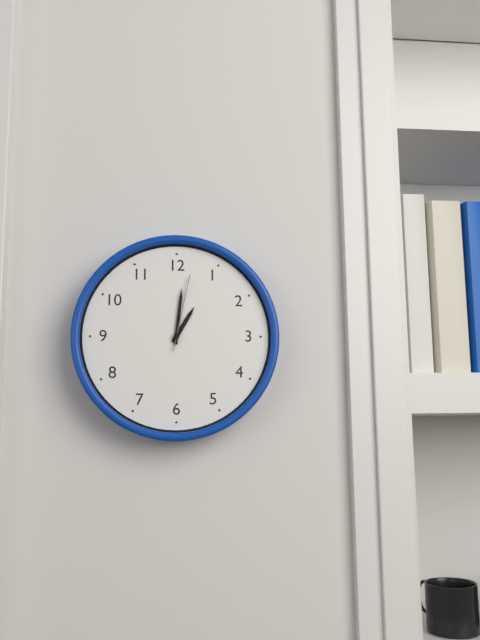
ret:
1:01:02
